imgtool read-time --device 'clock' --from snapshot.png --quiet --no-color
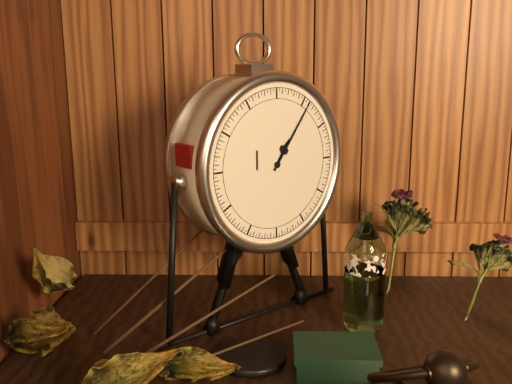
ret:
1:06
